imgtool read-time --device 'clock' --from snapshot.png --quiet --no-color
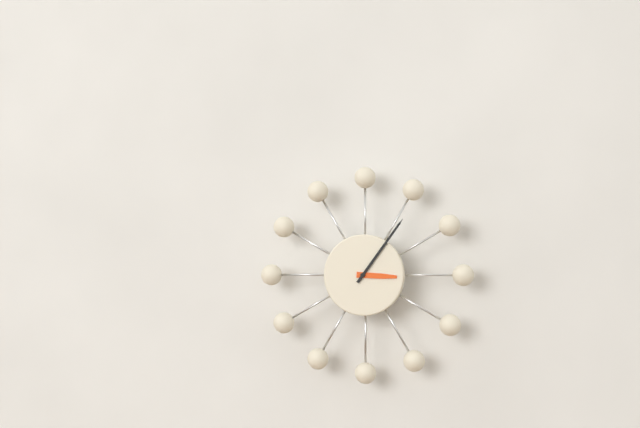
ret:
3:06
